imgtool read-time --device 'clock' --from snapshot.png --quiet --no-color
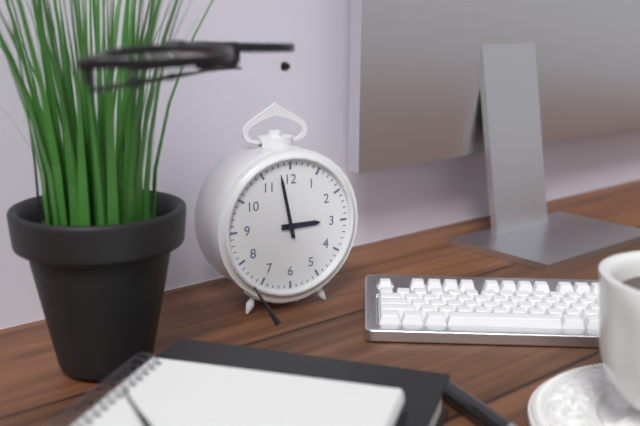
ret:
2:58
